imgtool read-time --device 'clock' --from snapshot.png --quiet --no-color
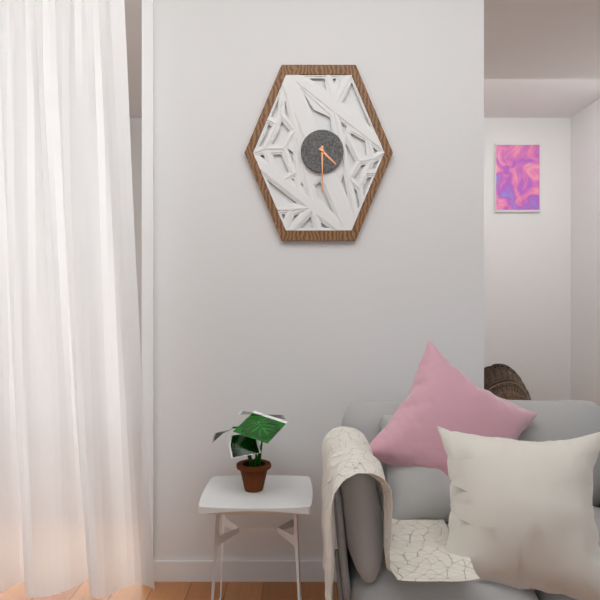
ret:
4:30
